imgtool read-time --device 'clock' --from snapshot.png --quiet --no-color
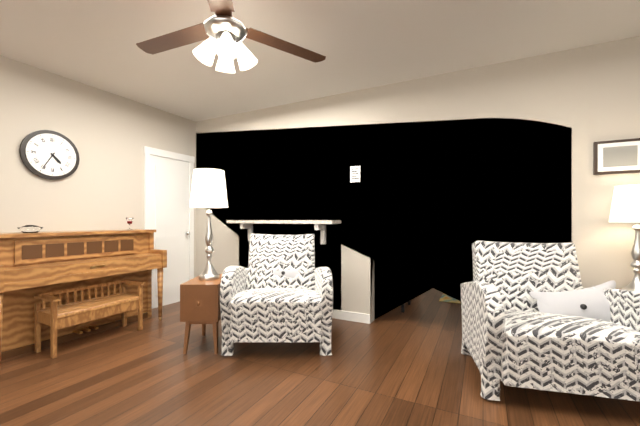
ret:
4:35
